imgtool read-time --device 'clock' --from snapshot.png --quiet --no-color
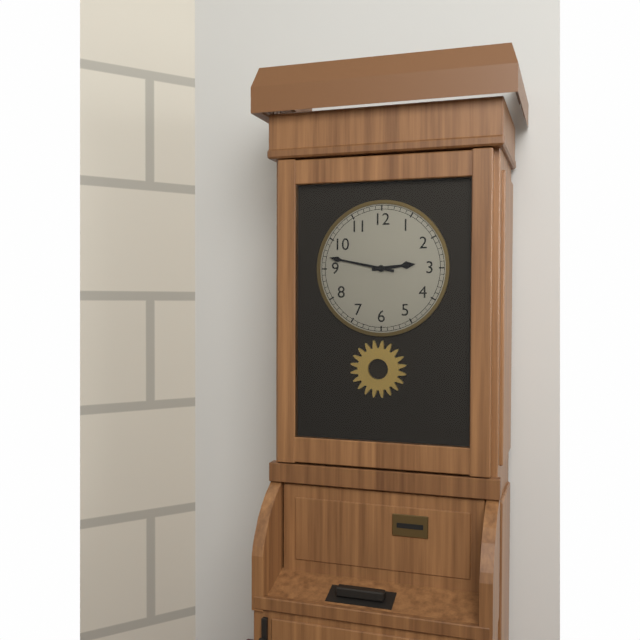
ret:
2:47
